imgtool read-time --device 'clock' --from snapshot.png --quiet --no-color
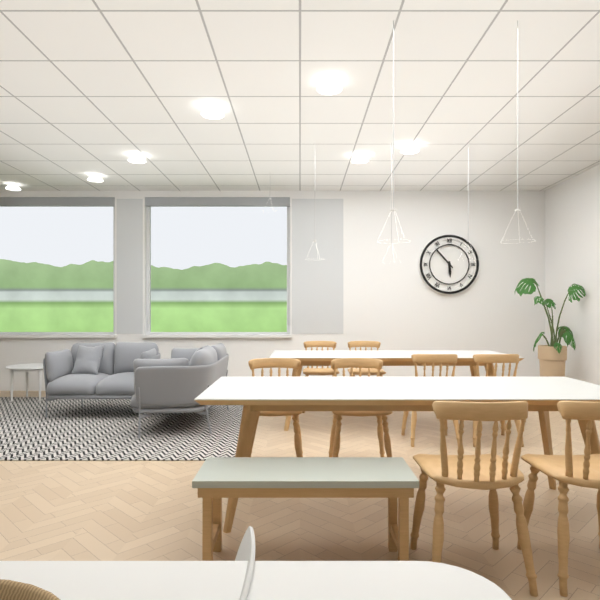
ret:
5:53
